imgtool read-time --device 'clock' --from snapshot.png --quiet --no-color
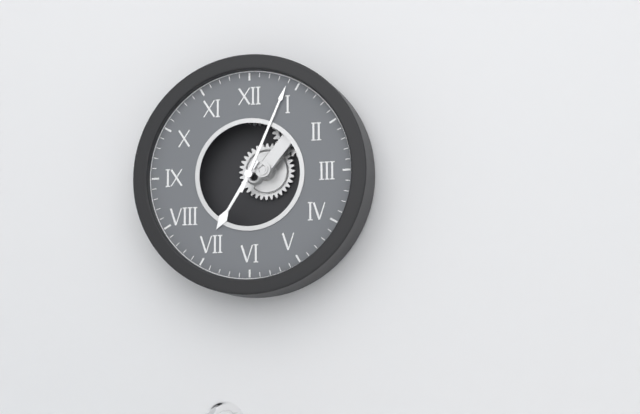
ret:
7:04
